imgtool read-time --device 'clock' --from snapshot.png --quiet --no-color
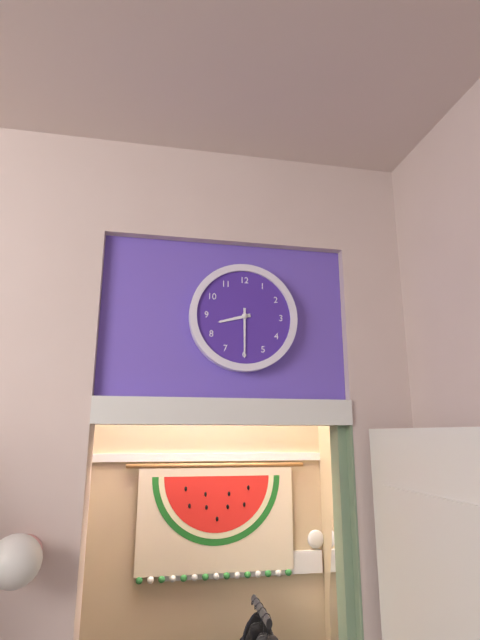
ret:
8:30
